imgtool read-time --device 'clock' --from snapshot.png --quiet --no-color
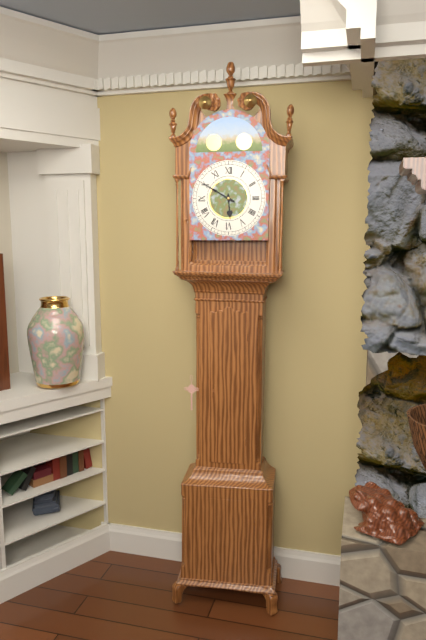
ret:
5:50
